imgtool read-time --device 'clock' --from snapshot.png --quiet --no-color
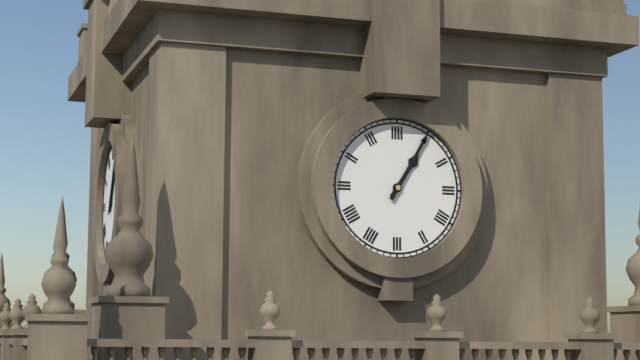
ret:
1:05
